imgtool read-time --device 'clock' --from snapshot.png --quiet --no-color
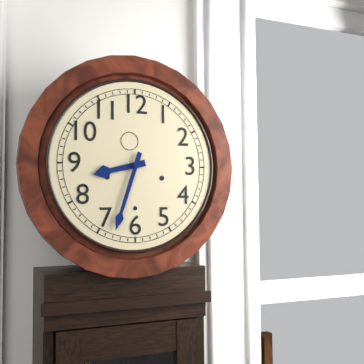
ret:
8:33
